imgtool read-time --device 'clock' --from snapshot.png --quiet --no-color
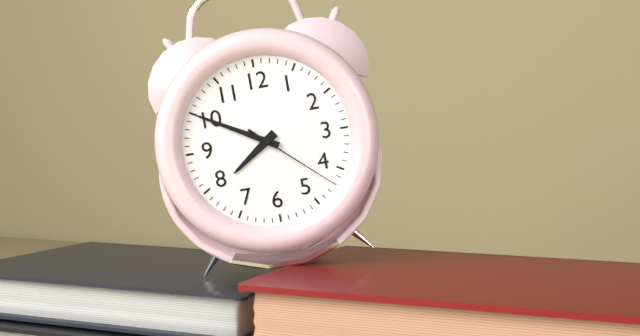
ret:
7:50:22
